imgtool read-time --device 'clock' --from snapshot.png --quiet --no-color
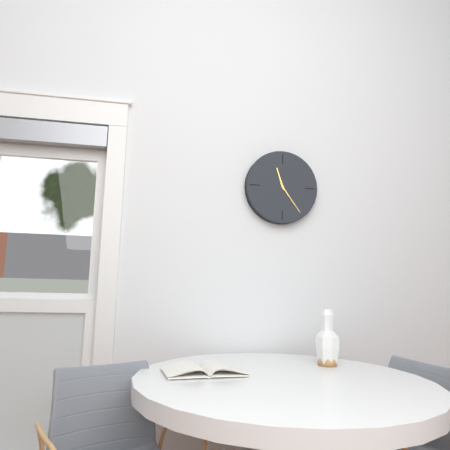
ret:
11:24
